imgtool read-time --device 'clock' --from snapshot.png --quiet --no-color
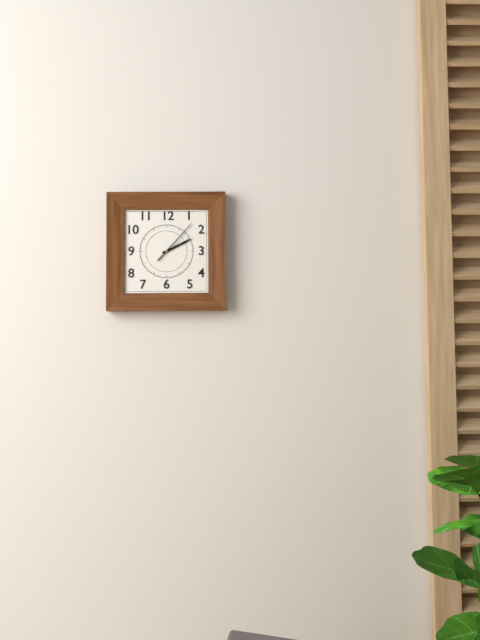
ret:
2:07
